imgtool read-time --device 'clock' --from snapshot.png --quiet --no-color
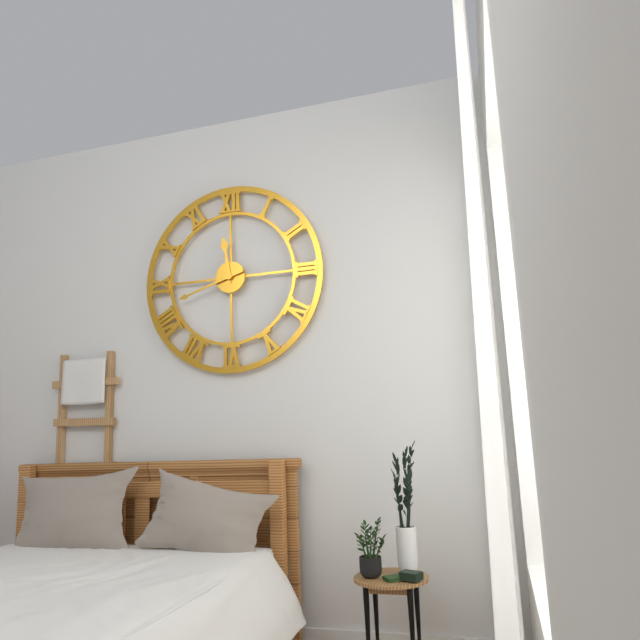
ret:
11:42
